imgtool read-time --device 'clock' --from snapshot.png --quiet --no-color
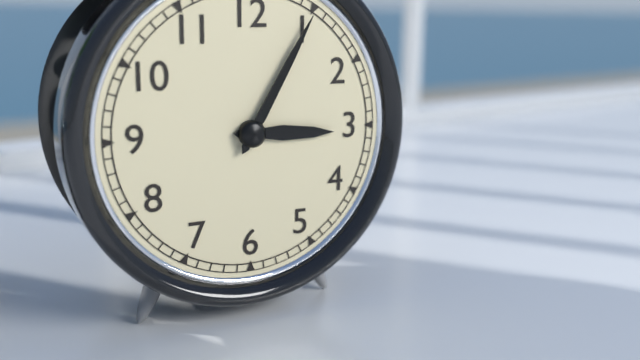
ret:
3:05
